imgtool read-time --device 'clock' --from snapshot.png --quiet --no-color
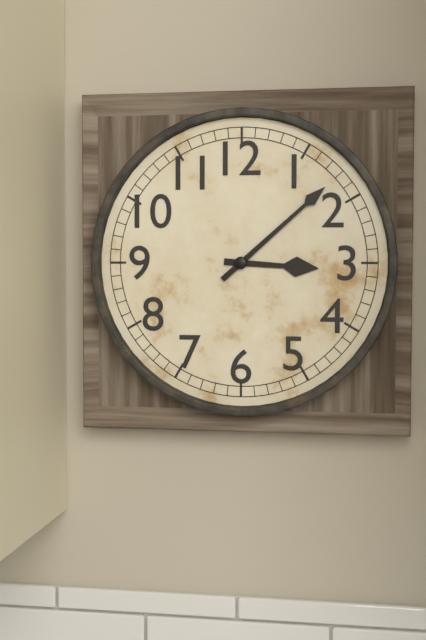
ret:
3:08
